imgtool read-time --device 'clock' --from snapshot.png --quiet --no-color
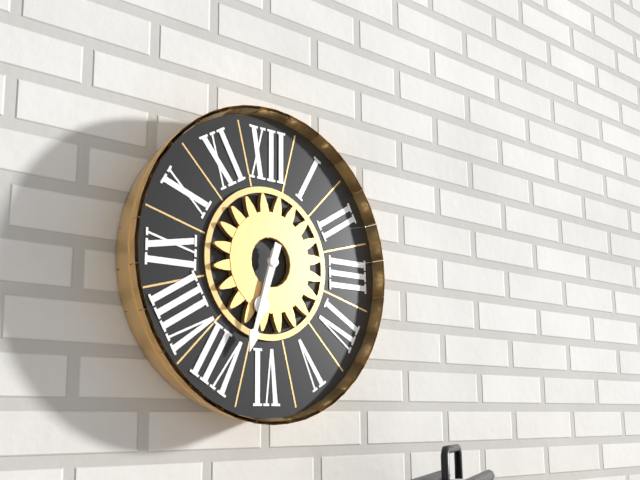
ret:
6:33
